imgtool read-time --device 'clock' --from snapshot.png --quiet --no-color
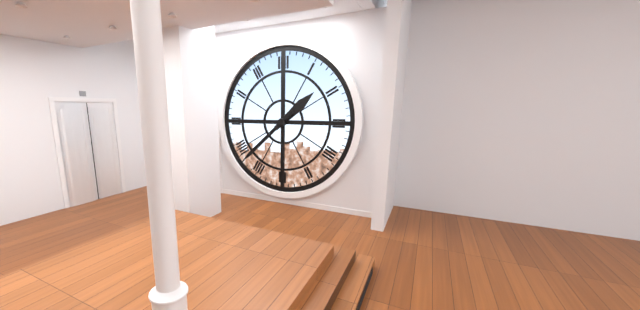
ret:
1:38
